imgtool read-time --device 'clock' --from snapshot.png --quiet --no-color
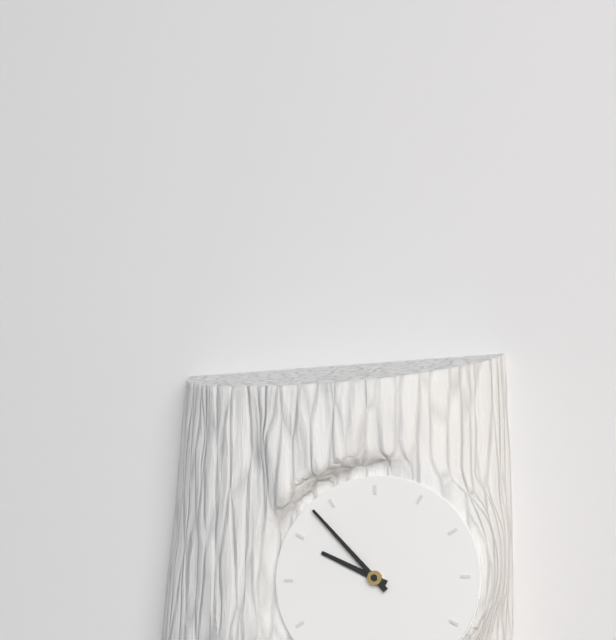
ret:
9:53
